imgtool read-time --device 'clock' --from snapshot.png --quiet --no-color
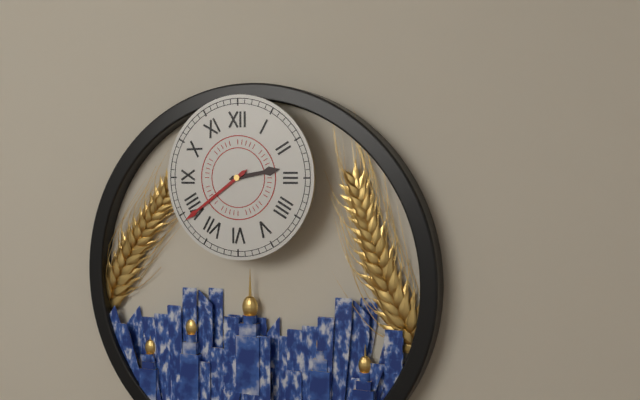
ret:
2:39
